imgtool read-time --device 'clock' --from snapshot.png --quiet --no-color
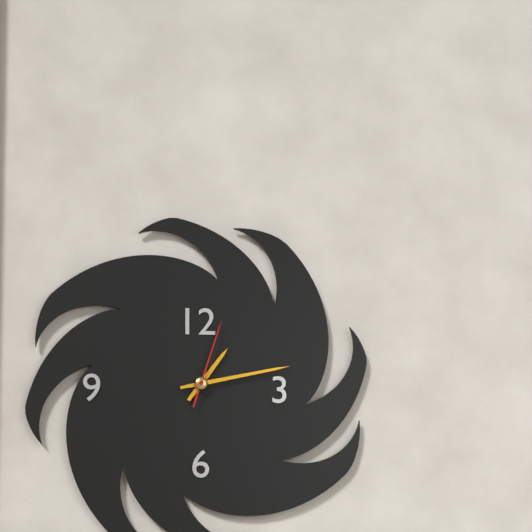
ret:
1:13:03
